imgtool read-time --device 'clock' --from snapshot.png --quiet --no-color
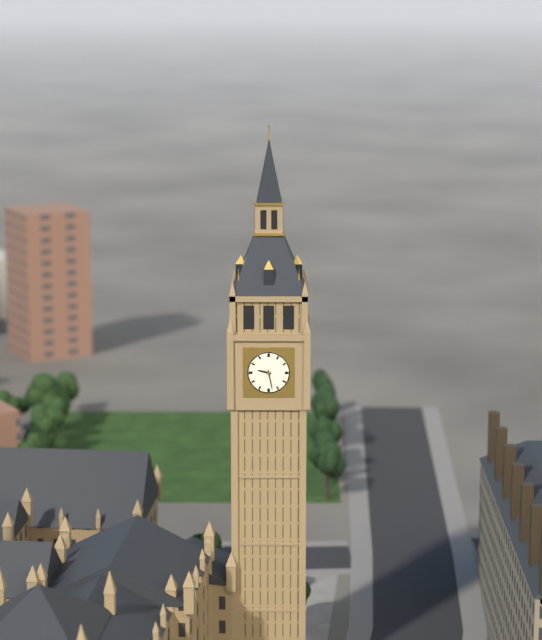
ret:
9:28
